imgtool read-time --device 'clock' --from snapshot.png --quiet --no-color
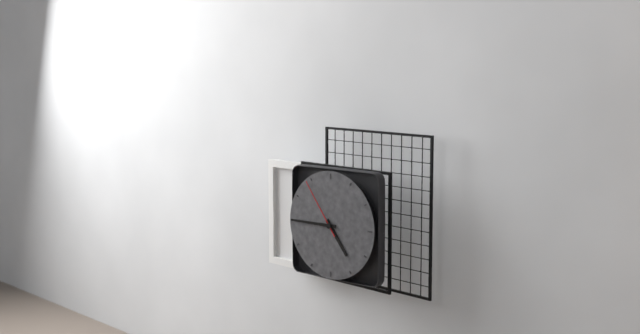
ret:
4:45:54
